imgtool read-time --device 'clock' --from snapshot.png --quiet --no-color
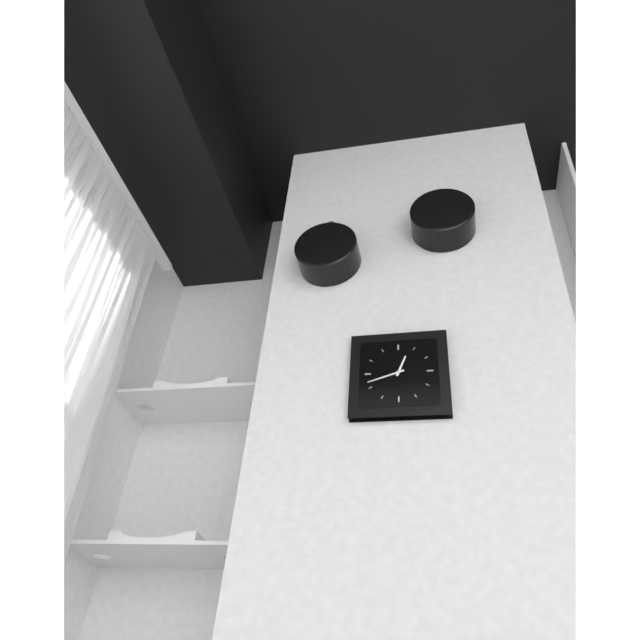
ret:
12:42
